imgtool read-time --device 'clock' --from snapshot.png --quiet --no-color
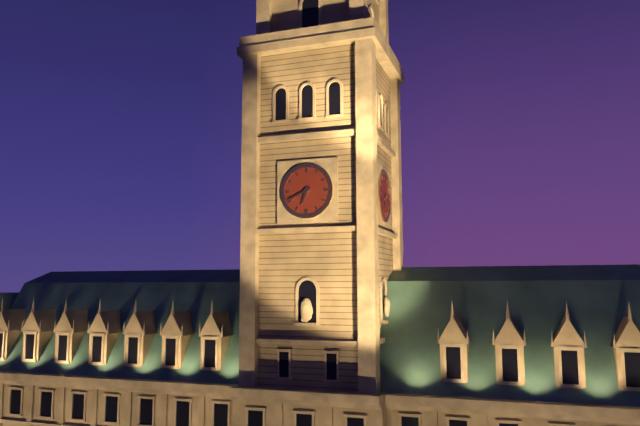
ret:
6:41
